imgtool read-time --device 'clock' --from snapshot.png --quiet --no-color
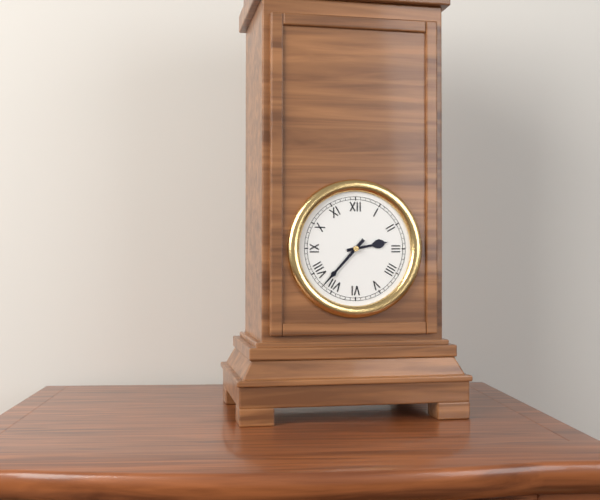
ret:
2:37
